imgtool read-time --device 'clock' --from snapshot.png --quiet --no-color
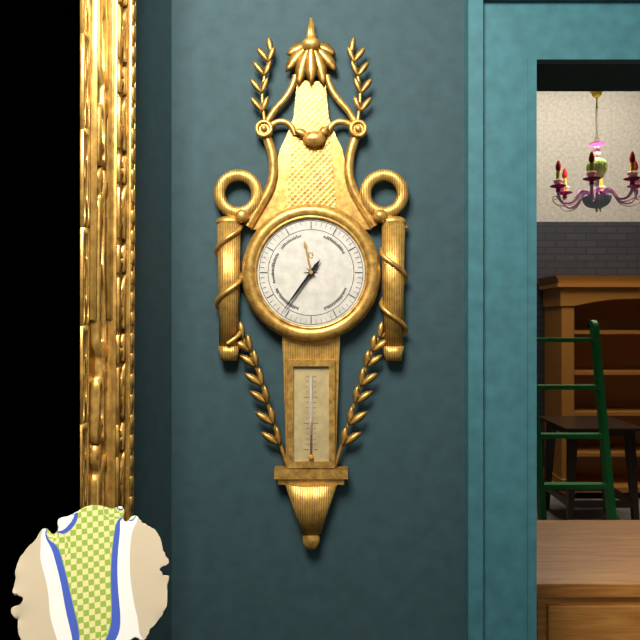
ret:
11:36
